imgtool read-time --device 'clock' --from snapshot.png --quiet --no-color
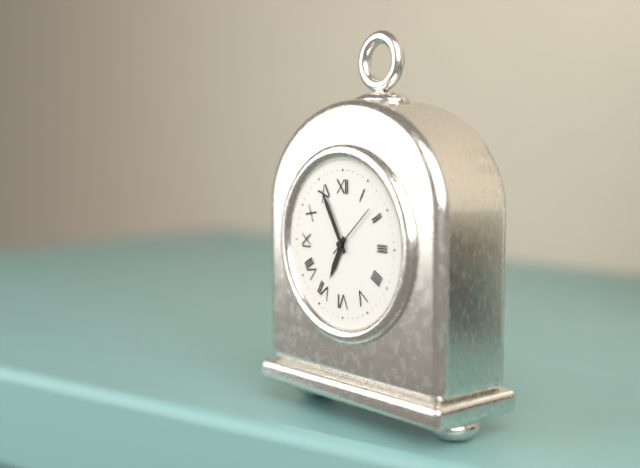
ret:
6:55:08
